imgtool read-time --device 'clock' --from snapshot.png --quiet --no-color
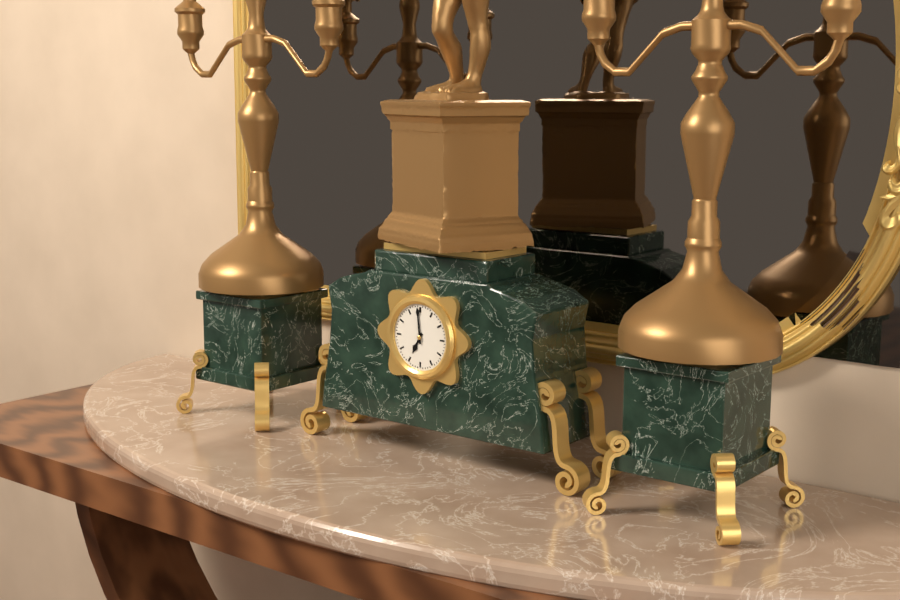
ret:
6:59
